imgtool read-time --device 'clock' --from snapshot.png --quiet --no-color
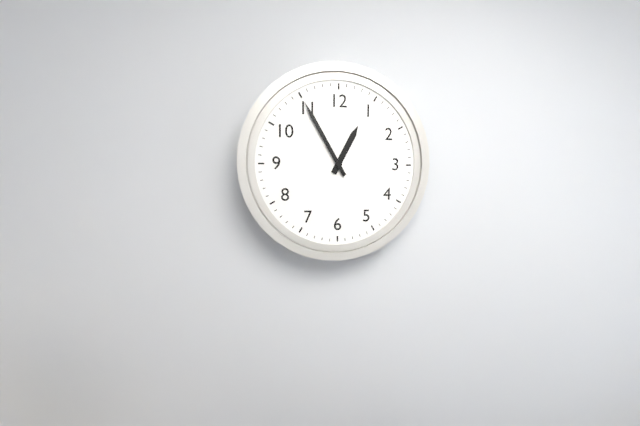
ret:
12:55
